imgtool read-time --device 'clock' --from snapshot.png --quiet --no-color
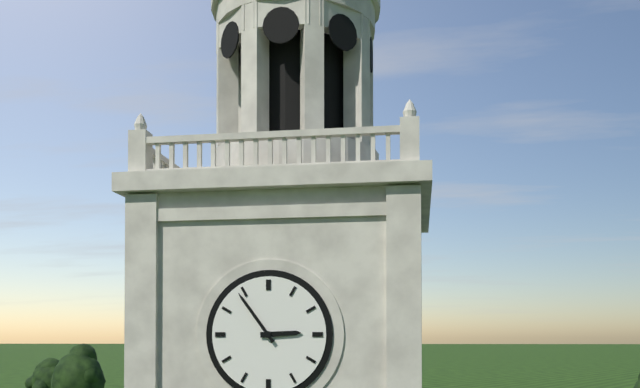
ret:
2:54
